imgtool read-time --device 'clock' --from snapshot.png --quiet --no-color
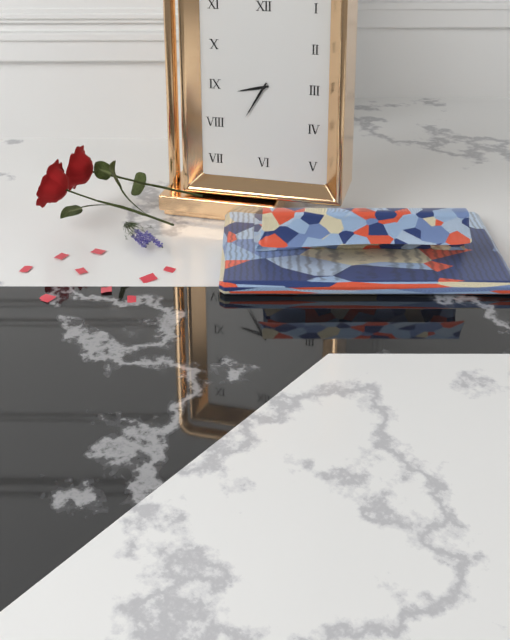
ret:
8:35
